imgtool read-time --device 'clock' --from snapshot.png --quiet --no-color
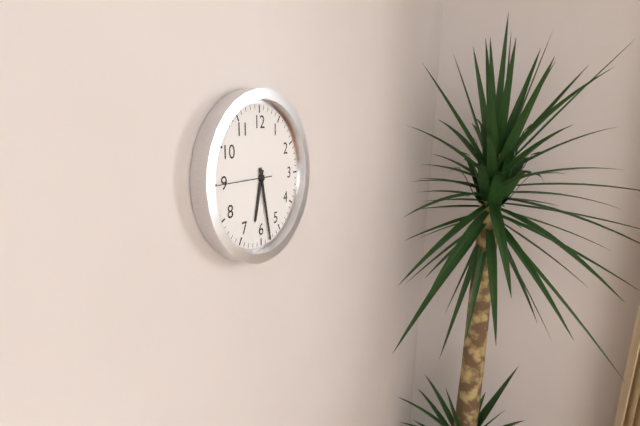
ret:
6:28:45
